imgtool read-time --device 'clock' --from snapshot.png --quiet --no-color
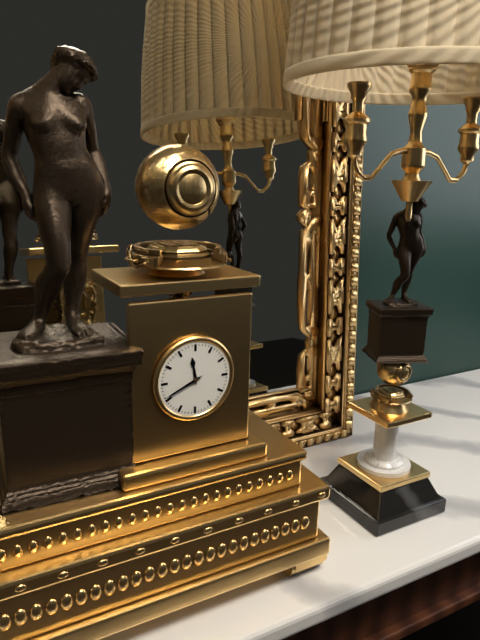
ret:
11:41
